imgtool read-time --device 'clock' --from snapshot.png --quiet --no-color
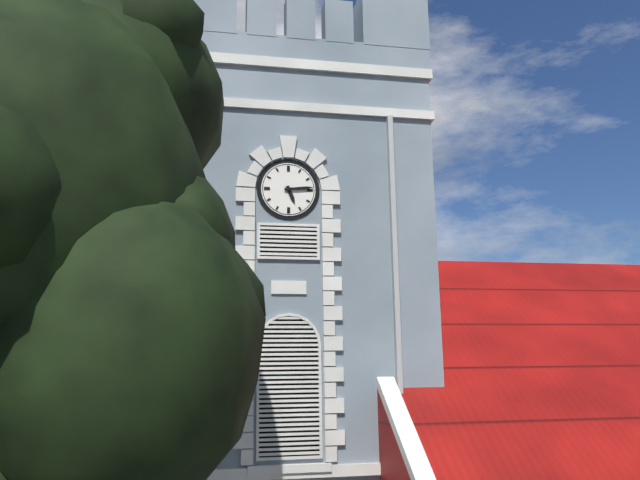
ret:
5:14
